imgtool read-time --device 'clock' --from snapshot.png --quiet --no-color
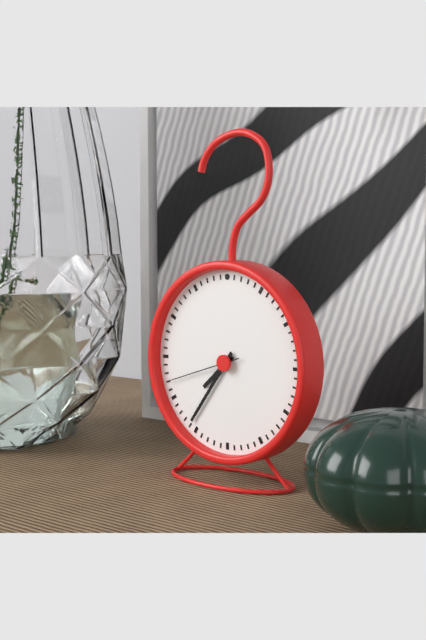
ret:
7:36:42
